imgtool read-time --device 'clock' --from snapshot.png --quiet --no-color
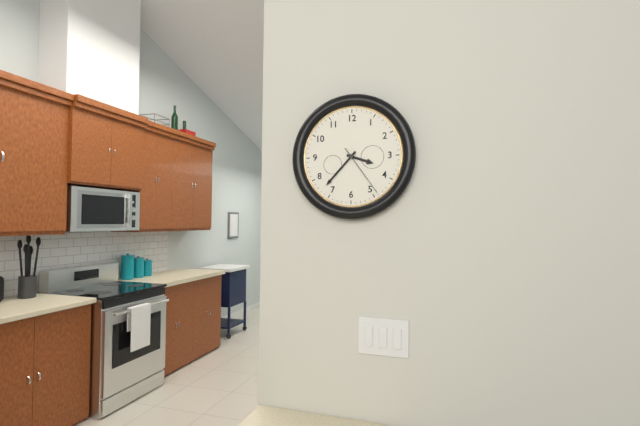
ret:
3:37:24
